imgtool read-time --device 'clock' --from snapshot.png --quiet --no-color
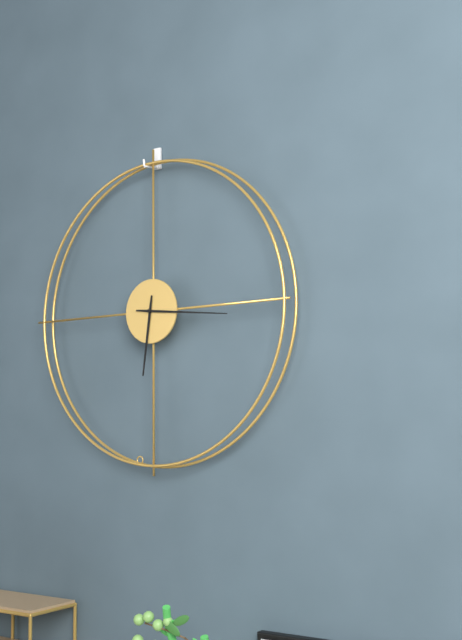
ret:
6:16
